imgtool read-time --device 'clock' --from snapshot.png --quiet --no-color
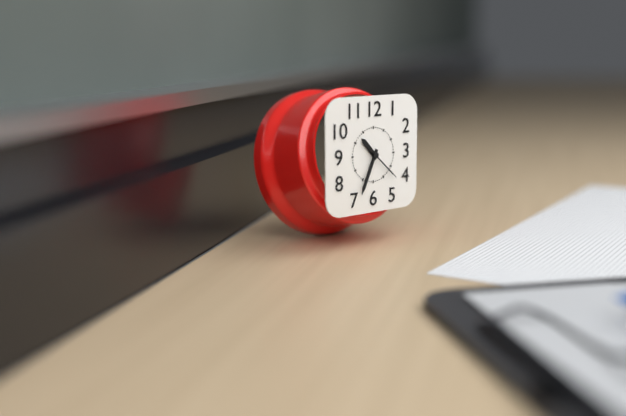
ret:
10:34
